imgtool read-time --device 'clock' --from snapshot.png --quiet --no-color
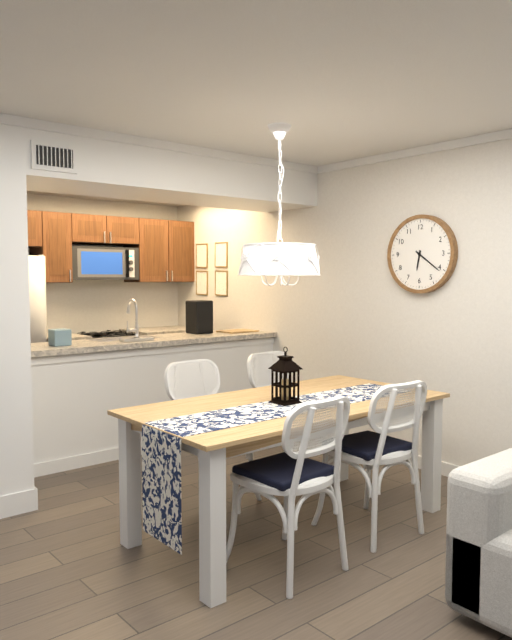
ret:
6:21
